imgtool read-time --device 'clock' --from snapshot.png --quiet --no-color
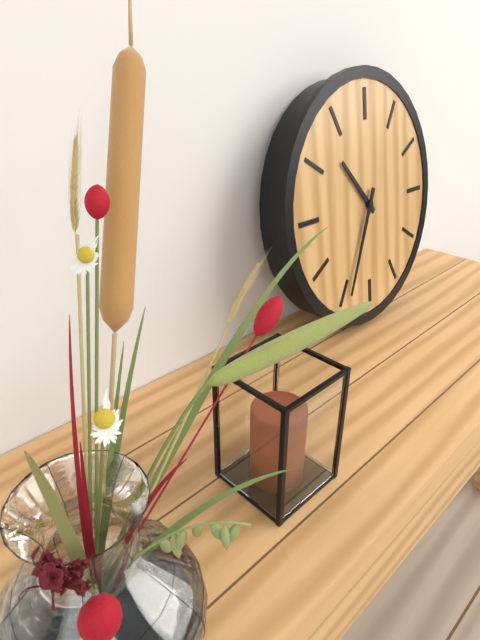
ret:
10:34
